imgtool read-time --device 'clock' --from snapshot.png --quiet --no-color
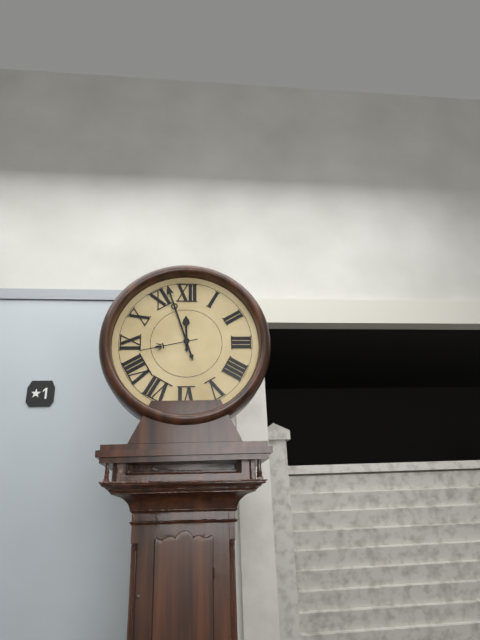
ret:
11:57:43
